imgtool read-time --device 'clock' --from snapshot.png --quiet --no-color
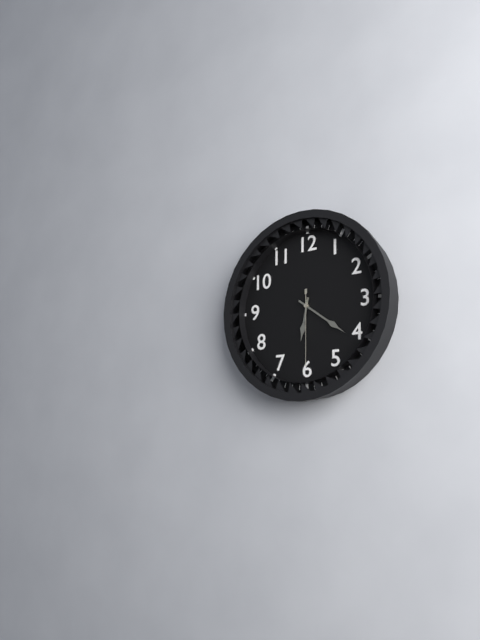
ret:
6:21:30
